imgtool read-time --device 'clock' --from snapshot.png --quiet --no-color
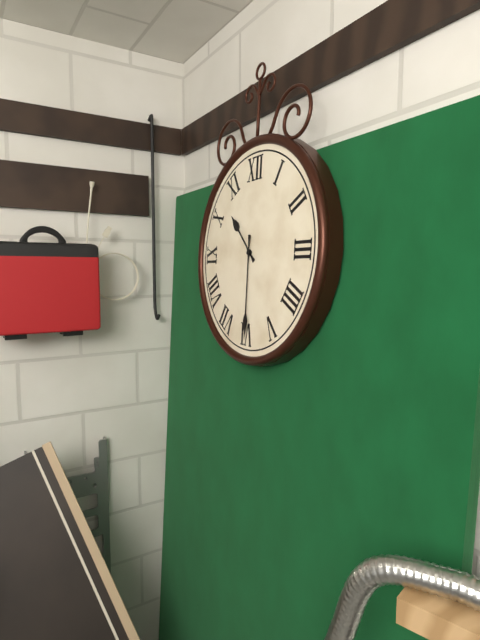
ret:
10:30
